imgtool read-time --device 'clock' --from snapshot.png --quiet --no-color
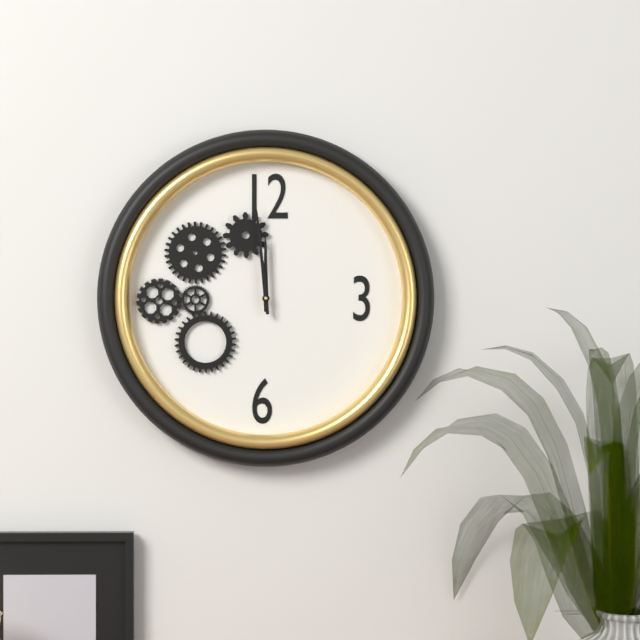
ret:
11:59
